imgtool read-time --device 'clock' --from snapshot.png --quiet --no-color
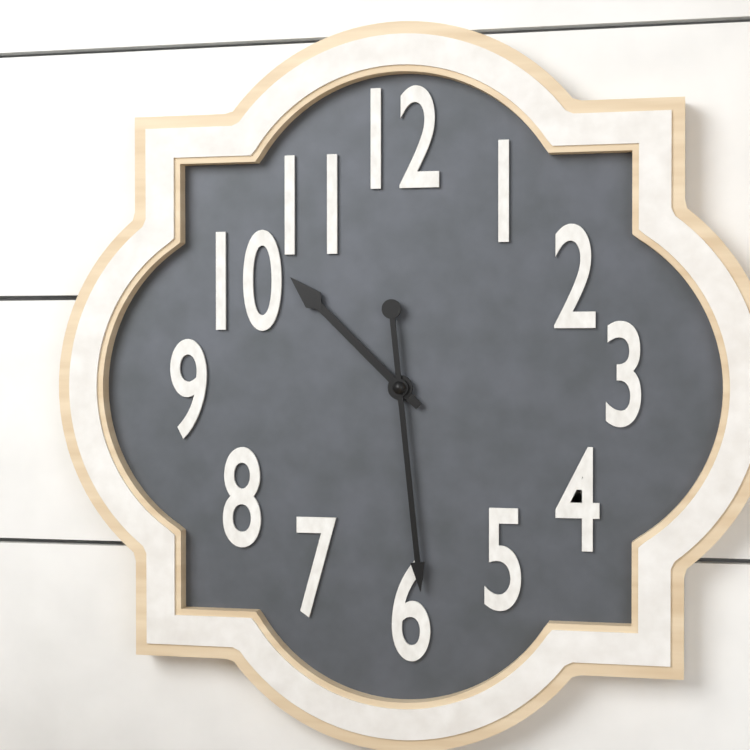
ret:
10:29
